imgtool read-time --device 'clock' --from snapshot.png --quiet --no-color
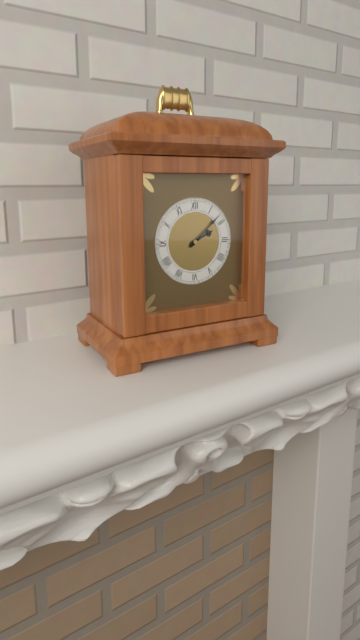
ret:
2:08
